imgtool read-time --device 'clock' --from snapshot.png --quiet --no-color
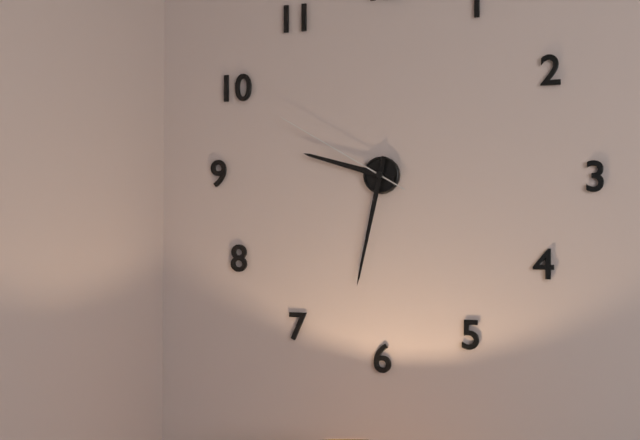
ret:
9:32:50
